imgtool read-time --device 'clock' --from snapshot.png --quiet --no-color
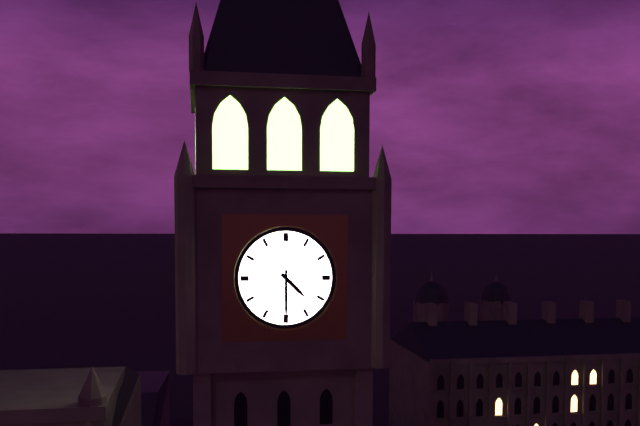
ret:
4:30
